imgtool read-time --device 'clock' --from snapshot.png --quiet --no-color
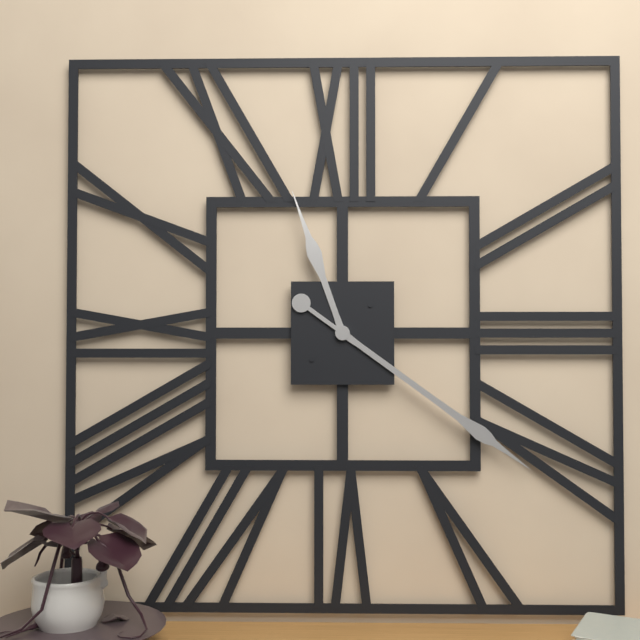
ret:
11:21
